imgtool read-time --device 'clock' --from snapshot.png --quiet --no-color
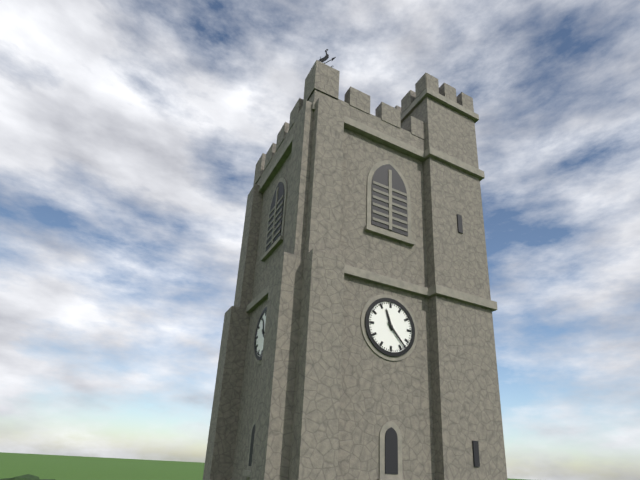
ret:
11:23
